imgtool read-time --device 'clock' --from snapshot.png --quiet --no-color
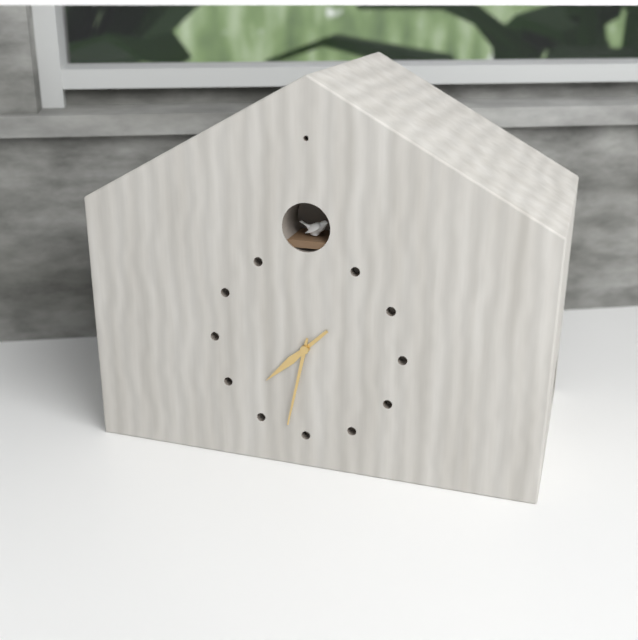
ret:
7:32
